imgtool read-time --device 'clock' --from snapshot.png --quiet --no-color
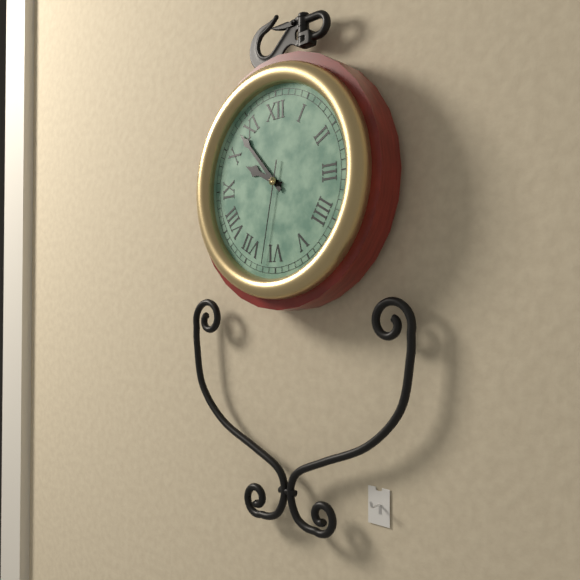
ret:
9:53:32
